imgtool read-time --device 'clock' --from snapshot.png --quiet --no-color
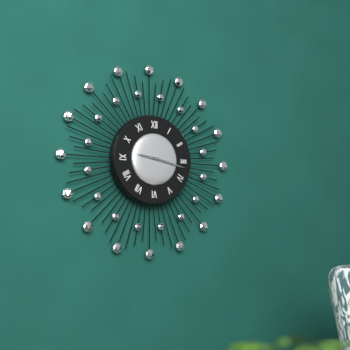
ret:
9:17
